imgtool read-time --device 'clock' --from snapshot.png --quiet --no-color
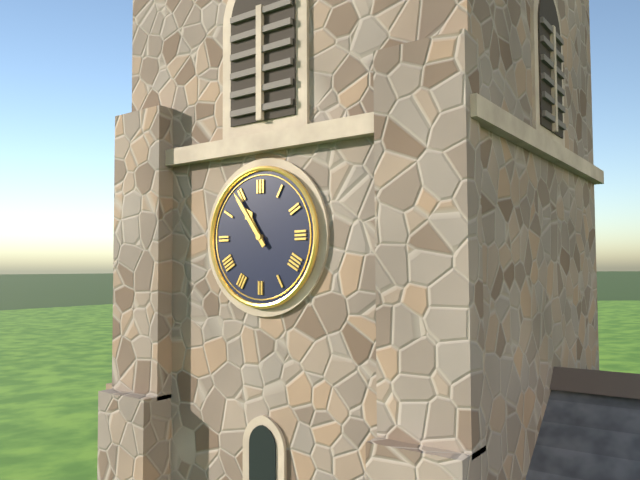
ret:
10:54
